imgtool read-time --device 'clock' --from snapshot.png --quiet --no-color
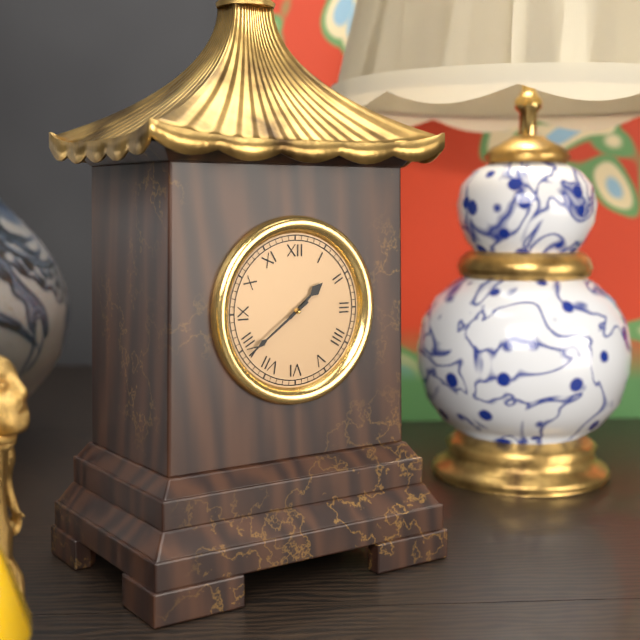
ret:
1:39
